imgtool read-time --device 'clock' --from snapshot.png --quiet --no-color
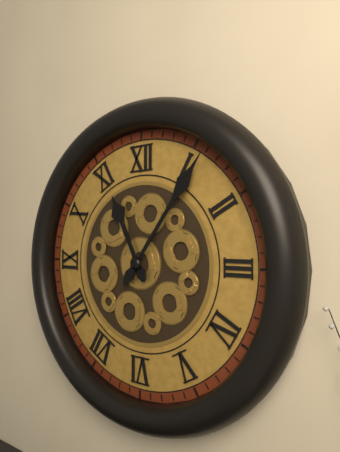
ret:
11:06
